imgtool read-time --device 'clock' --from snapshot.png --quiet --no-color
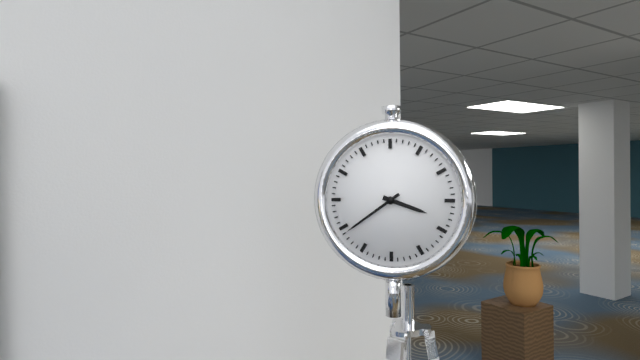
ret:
3:39
